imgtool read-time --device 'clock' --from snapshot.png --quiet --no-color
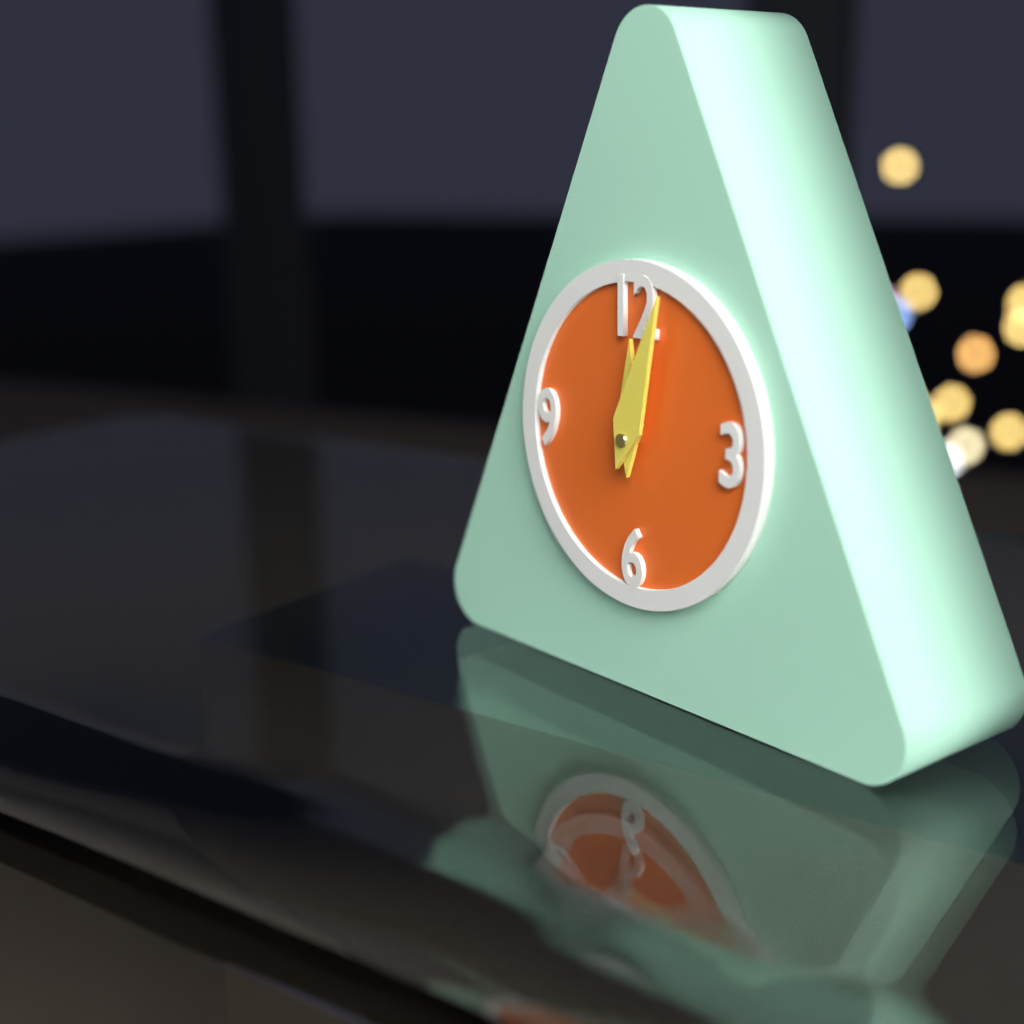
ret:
12:03
